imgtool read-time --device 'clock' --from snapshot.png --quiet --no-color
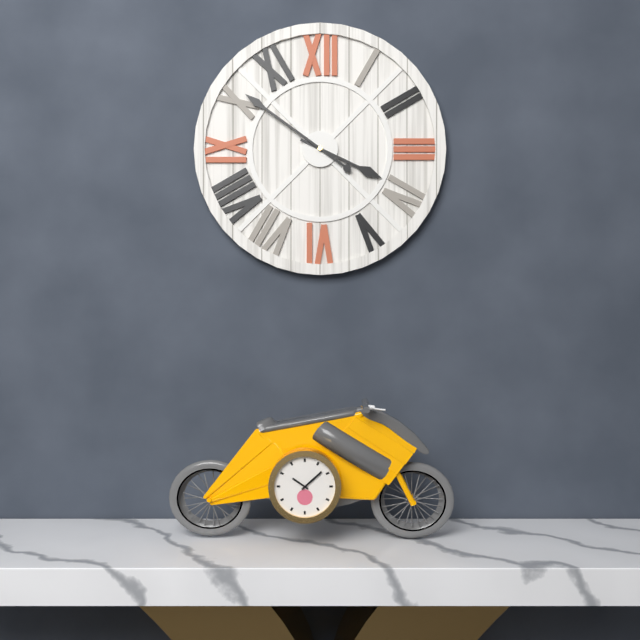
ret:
3:51
